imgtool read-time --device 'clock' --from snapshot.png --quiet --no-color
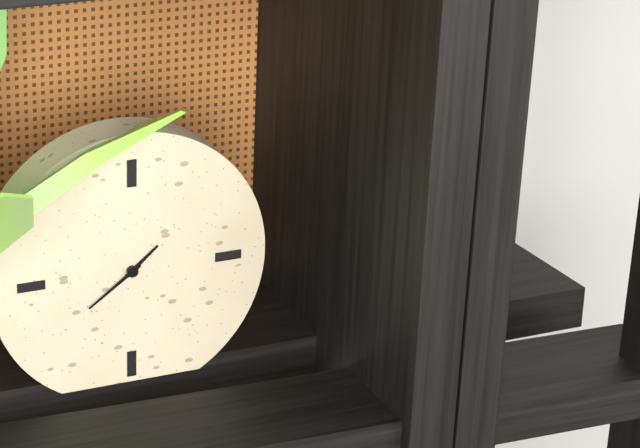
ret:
1:39
